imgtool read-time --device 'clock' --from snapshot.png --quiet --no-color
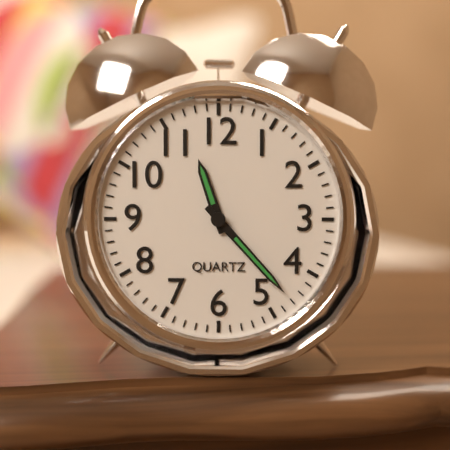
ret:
11:23
